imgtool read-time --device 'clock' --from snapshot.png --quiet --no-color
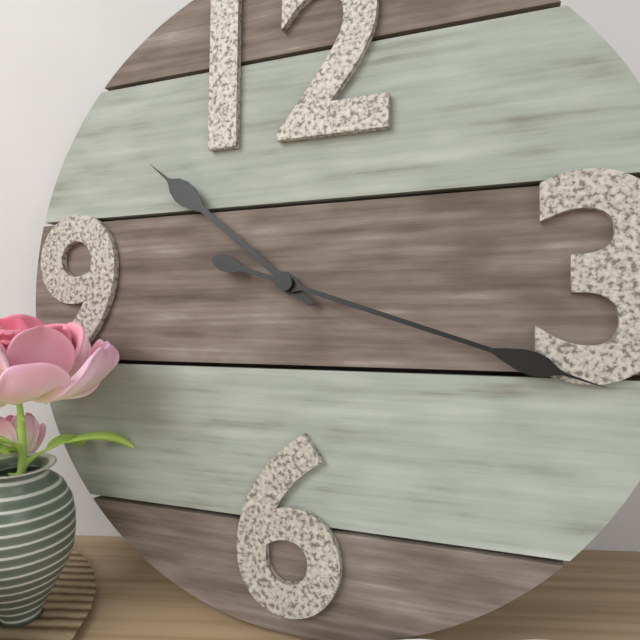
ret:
10:18
